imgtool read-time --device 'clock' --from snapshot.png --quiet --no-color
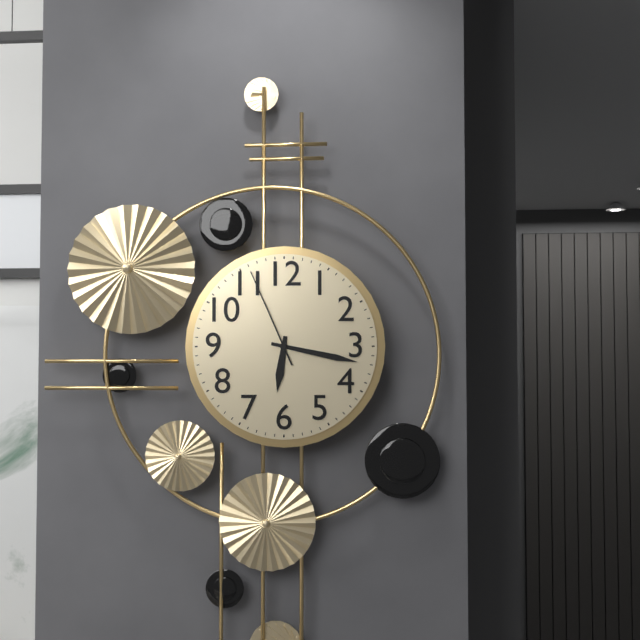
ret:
6:17:56
